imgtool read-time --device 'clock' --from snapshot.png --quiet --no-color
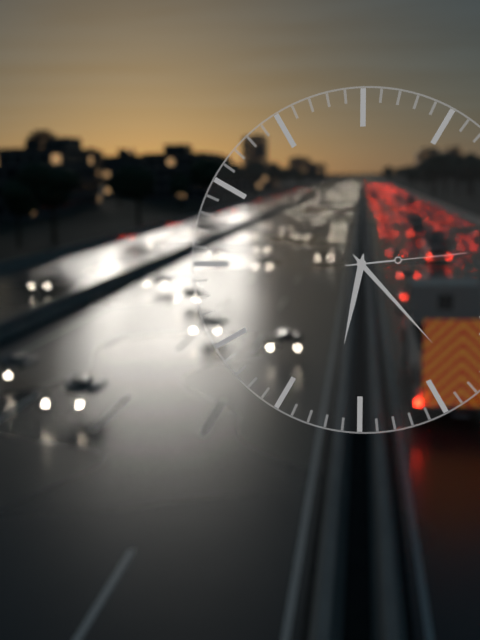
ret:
6:23:14
